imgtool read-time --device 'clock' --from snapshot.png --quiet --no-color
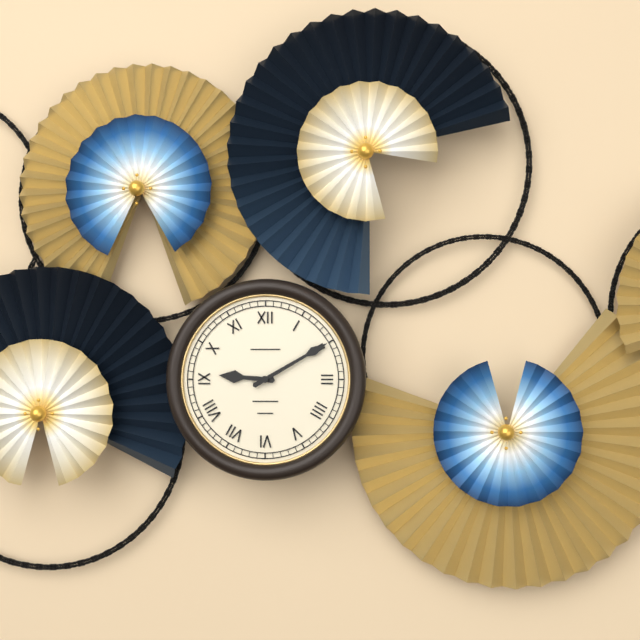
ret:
9:10
